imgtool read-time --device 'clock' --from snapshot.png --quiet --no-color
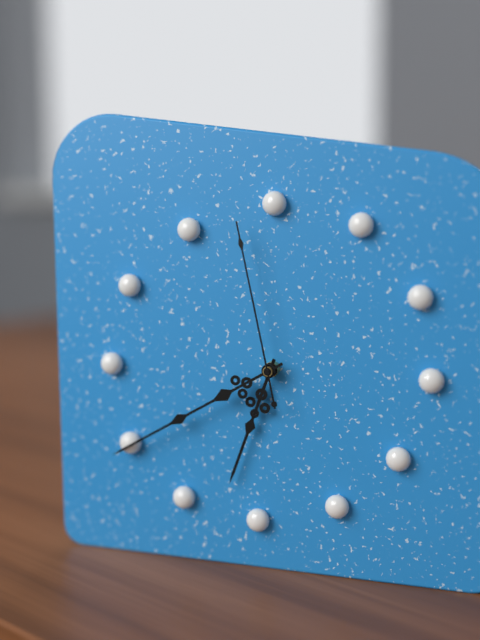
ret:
6:40:58
